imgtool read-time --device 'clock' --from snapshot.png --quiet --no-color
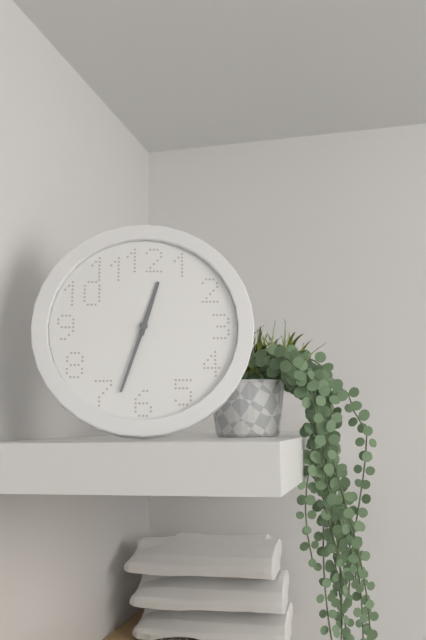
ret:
12:33
